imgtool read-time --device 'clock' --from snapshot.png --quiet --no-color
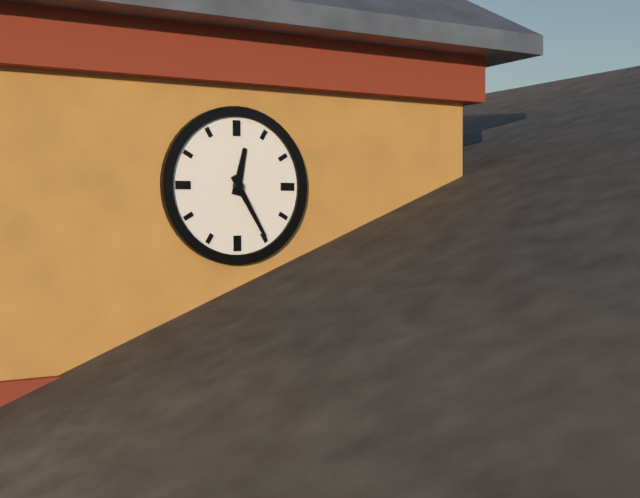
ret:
12:25
